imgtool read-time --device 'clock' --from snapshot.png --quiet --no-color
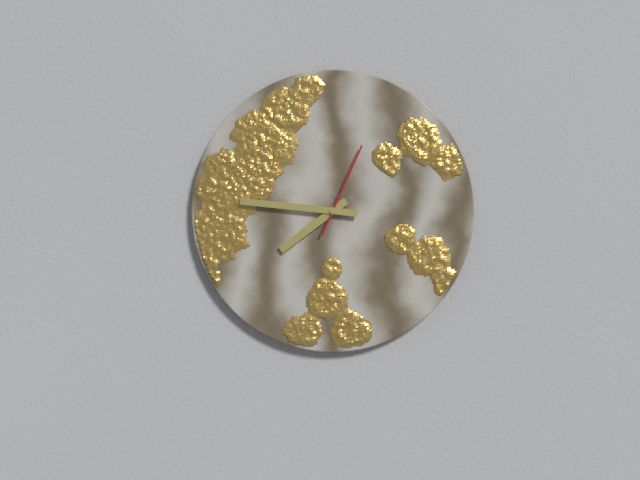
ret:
7:46:04
